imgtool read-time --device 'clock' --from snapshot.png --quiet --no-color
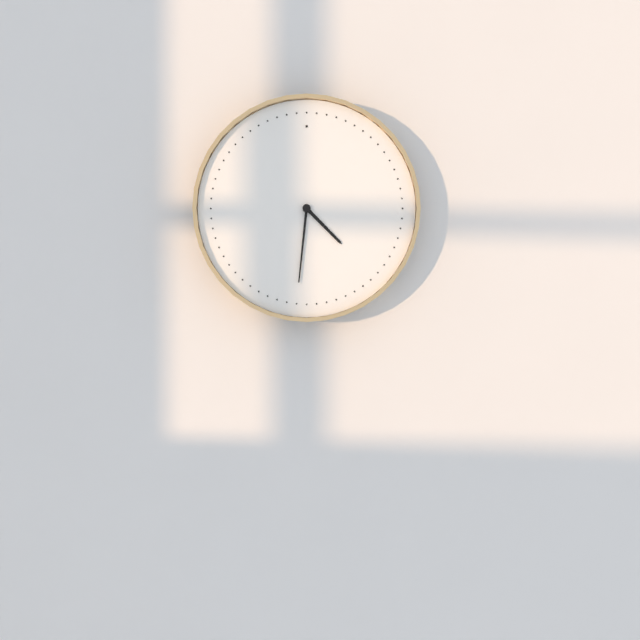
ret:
4:31
